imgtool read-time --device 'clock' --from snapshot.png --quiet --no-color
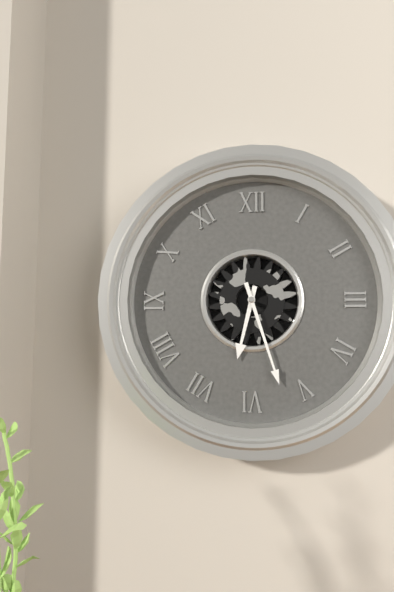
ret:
6:27
